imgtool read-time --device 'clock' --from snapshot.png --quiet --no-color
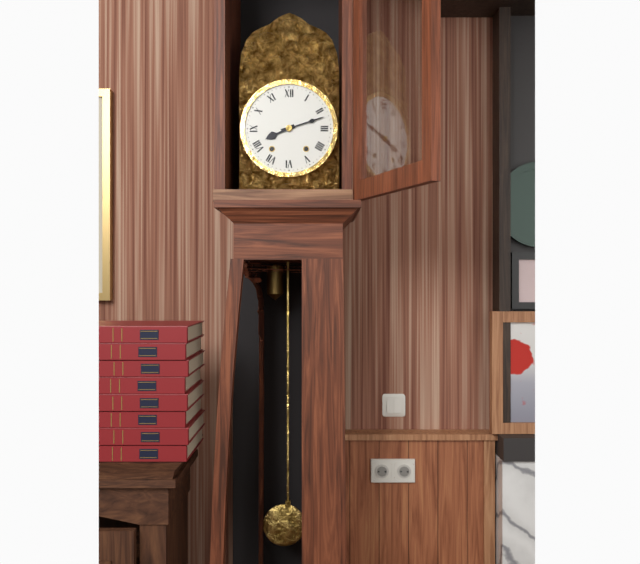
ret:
8:12
